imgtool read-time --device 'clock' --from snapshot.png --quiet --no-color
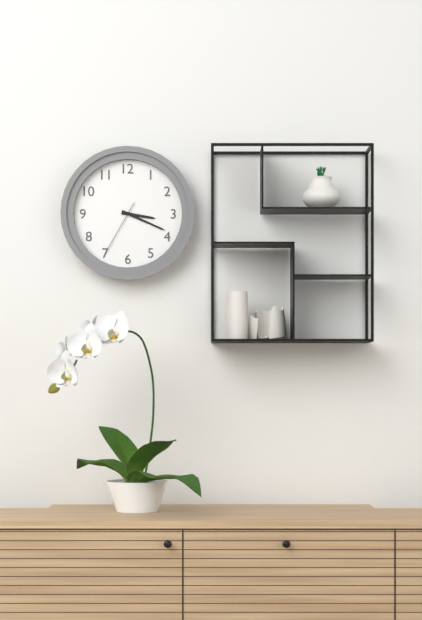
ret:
3:19:35
